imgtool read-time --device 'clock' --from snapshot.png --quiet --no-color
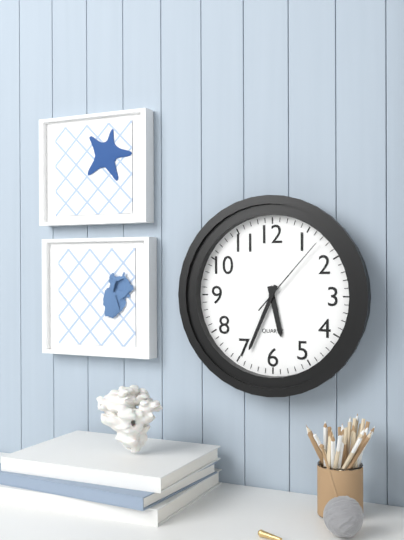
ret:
5:34:07
